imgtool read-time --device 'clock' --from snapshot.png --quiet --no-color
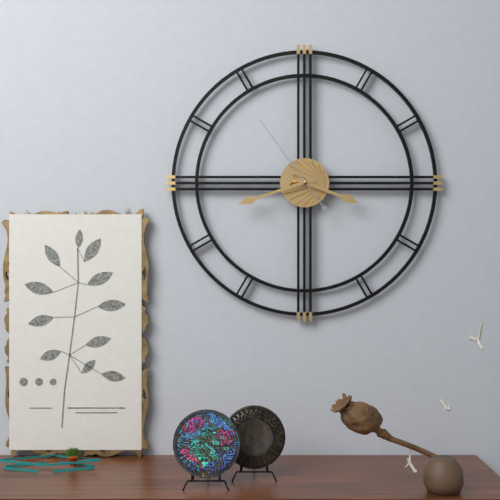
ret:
3:42:54
